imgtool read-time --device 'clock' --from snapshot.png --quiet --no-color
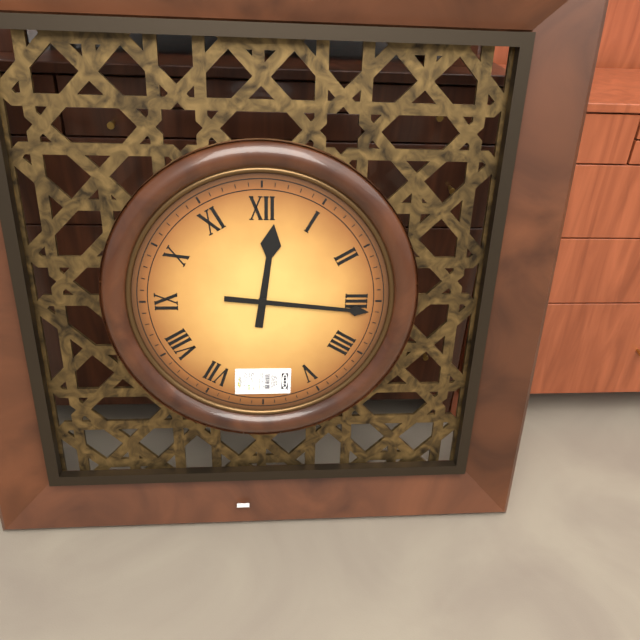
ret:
12:16
